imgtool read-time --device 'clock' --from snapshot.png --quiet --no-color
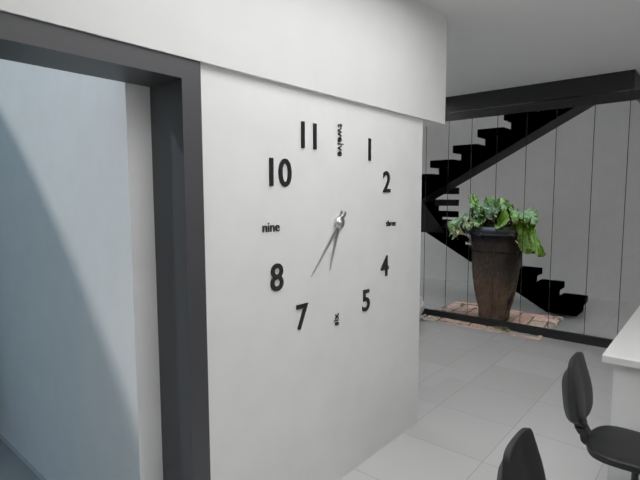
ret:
6:37
